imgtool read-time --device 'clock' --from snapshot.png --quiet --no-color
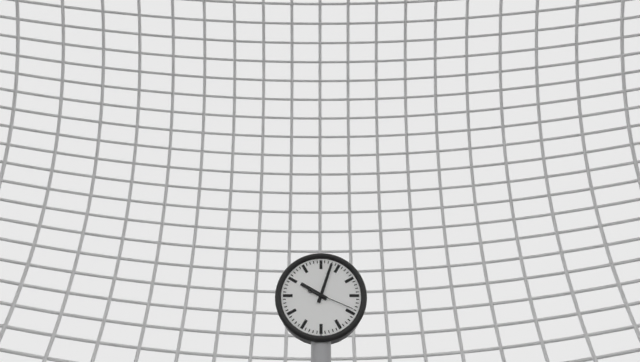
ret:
10:03
